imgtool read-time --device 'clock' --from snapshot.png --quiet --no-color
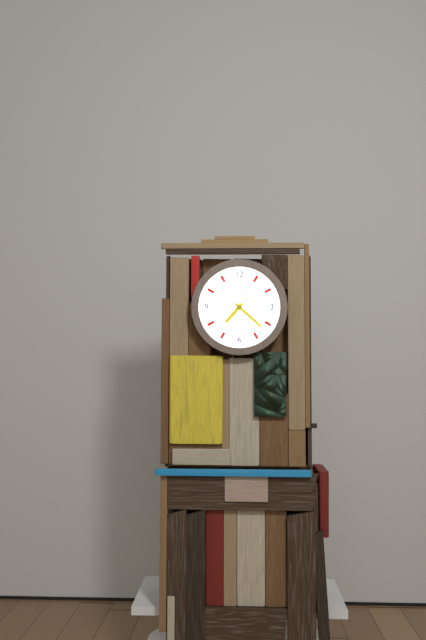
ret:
7:22
